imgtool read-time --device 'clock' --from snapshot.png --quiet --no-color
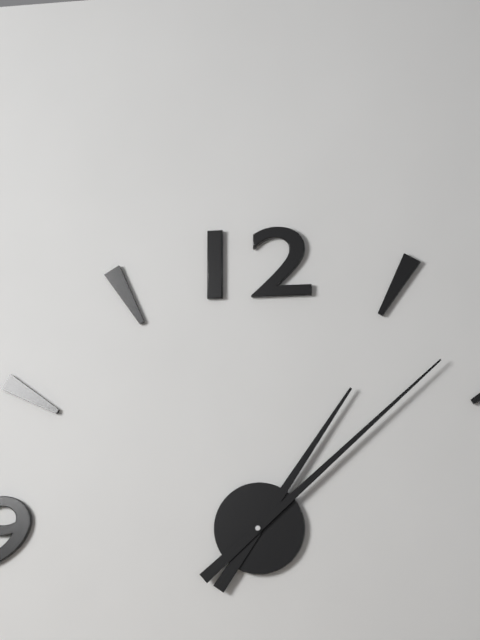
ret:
1:08
